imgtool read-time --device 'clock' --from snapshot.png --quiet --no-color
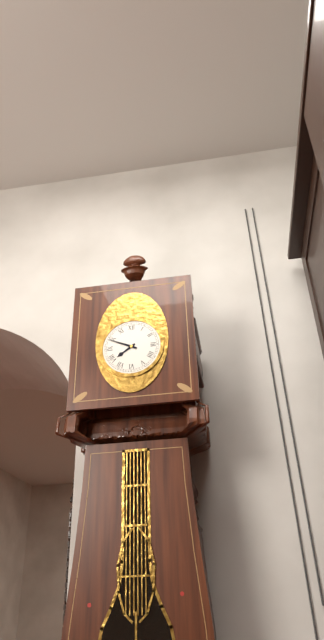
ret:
7:49
